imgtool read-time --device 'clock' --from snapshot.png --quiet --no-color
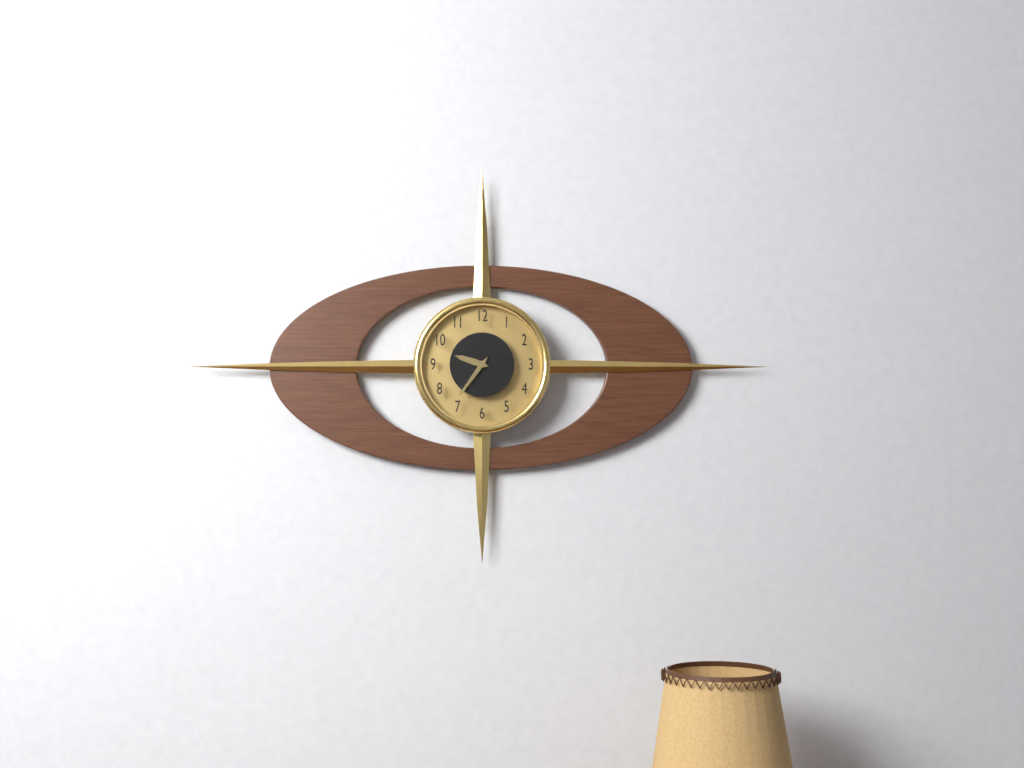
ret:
9:36
